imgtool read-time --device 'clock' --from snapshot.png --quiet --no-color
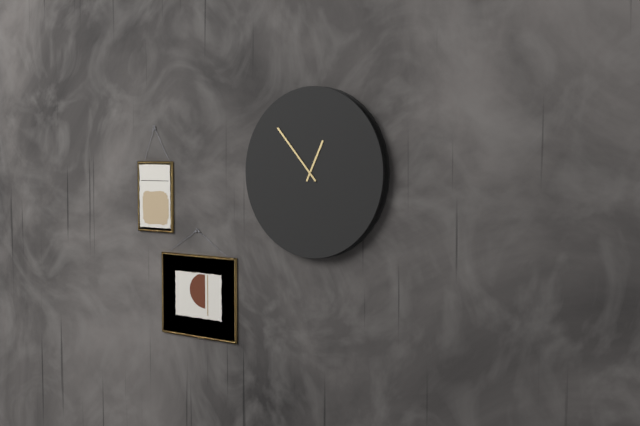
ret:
12:53
